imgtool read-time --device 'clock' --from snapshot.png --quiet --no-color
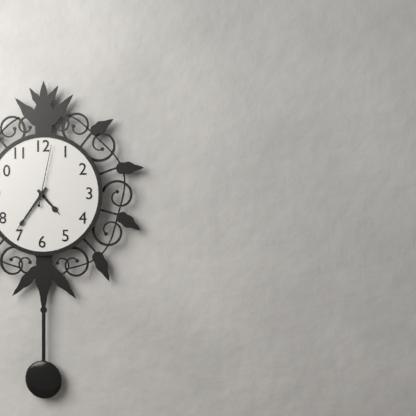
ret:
4:36:02
